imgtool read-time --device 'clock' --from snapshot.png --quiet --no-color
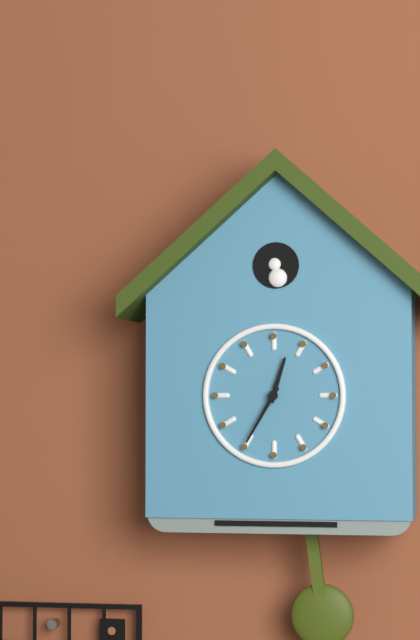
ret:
12:35
